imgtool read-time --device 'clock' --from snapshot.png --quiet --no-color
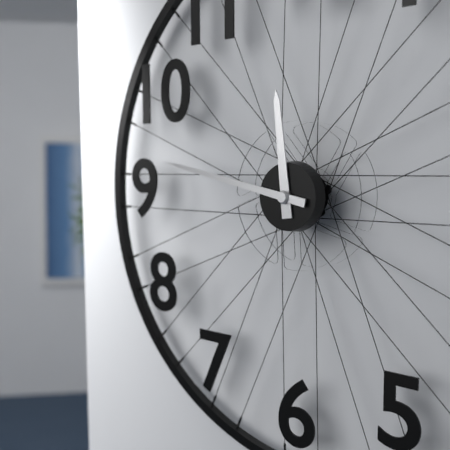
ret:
11:47
